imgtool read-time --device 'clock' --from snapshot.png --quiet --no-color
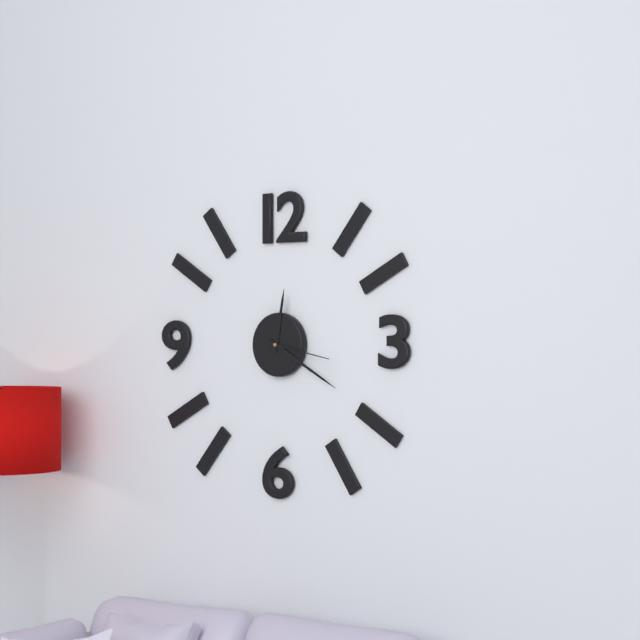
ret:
12:20:17
